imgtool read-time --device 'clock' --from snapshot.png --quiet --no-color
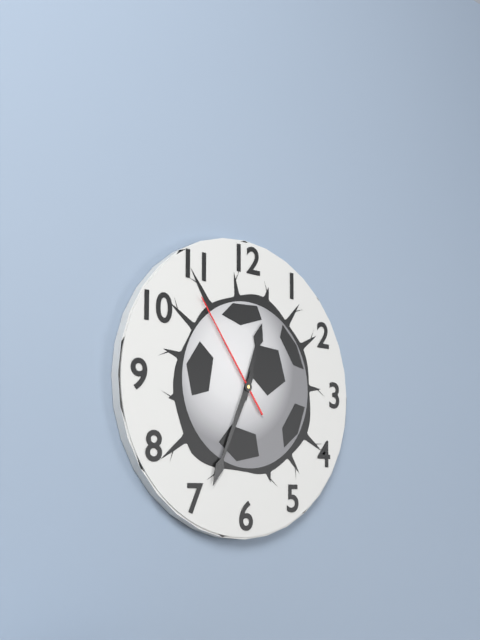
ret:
12:34:54
